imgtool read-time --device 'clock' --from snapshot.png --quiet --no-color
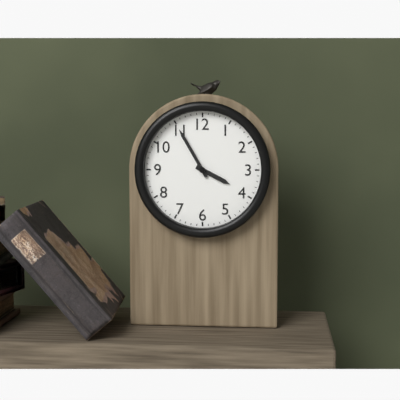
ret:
3:55
